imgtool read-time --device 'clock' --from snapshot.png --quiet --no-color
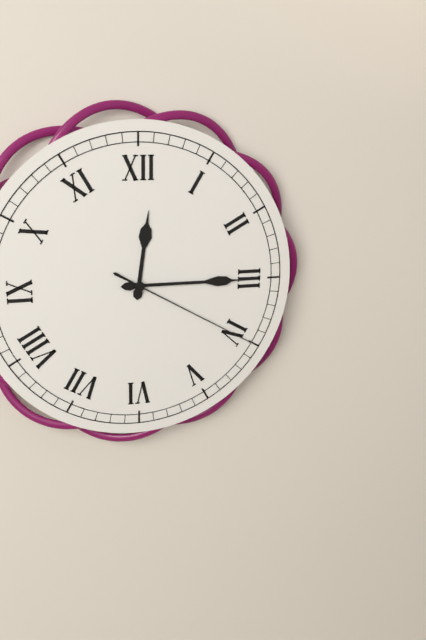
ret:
12:15:20
